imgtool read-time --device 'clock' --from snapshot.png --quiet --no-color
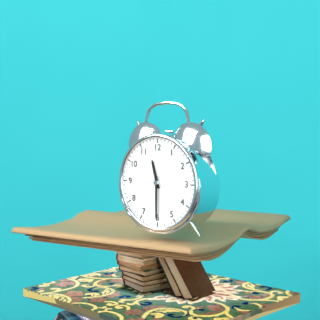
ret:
11:30
